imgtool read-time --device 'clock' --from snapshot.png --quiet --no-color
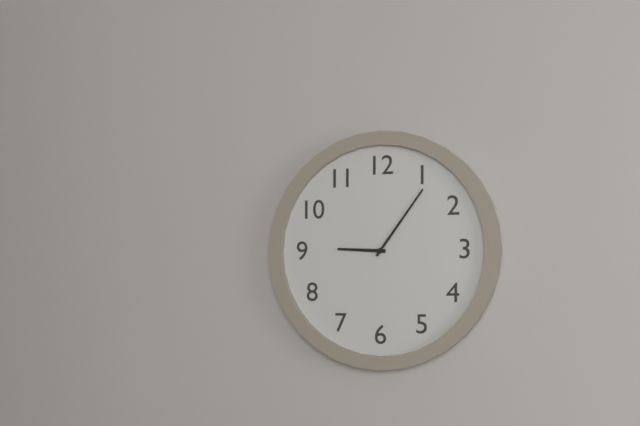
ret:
9:06
